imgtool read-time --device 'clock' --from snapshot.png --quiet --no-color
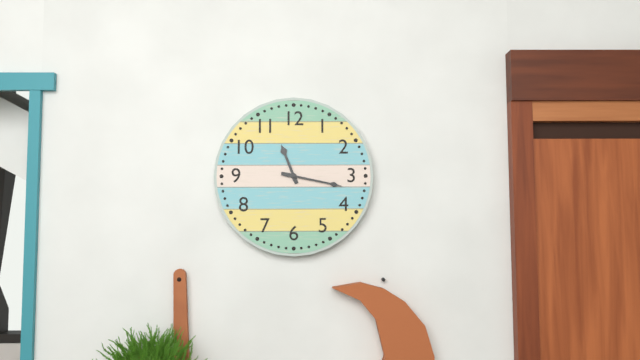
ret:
11:17
